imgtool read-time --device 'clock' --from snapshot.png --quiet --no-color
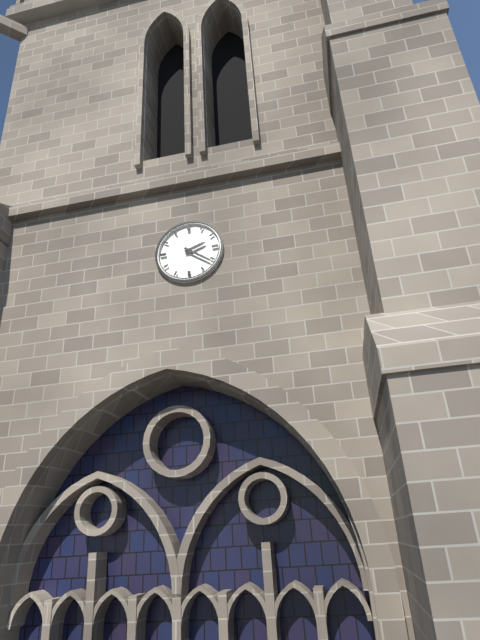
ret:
2:21
